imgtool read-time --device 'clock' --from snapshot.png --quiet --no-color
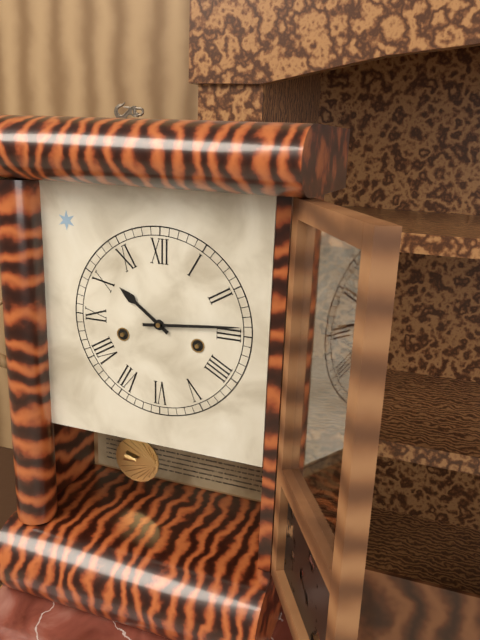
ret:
10:14
